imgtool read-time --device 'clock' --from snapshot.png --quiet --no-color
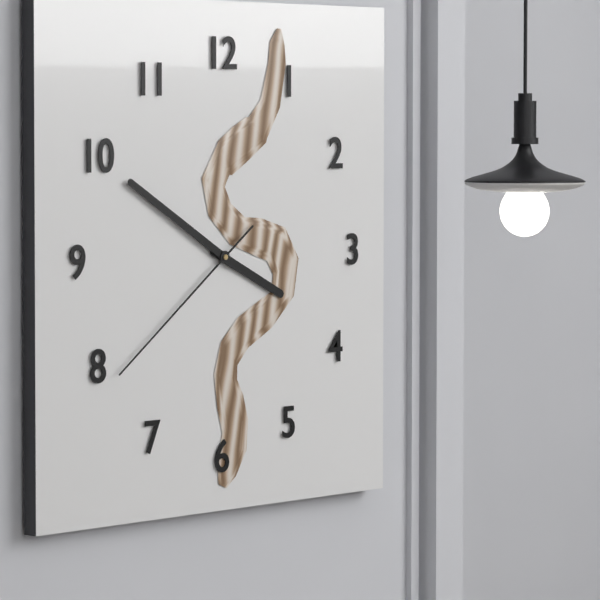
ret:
3:50:39
